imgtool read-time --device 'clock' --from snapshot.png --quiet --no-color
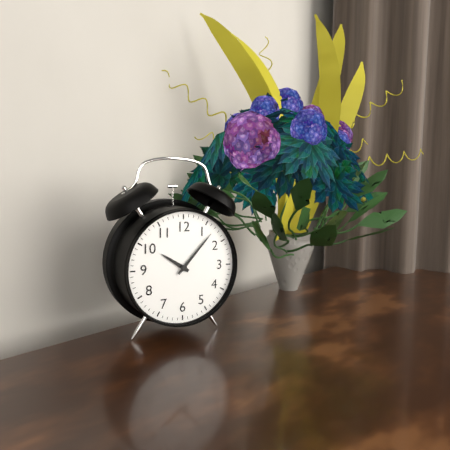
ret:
10:07
